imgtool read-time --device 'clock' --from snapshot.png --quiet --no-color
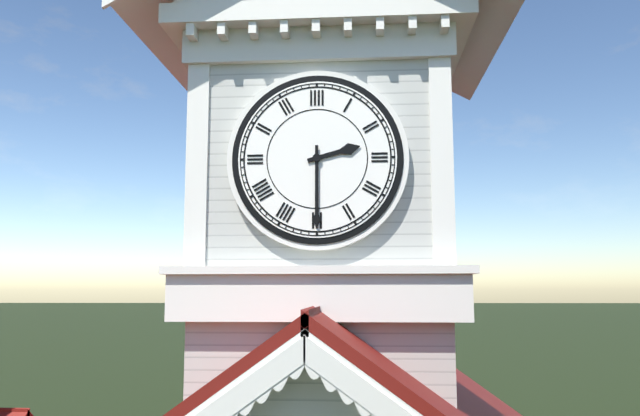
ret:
2:30
